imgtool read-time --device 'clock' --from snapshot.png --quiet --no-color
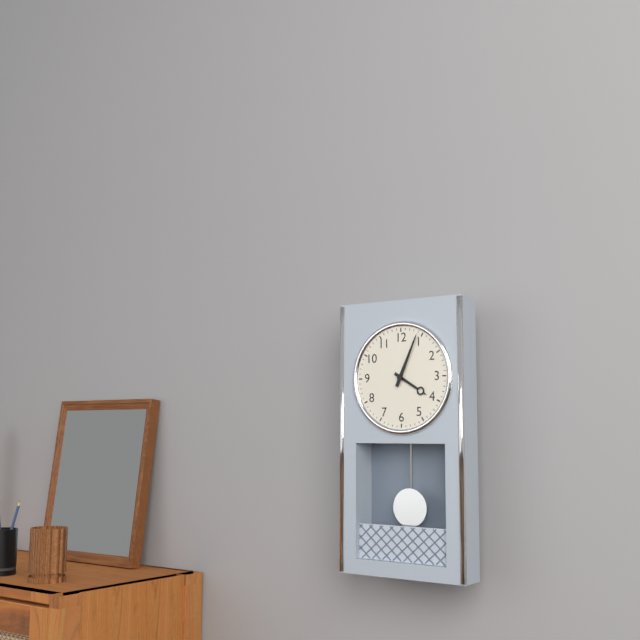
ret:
4:04
